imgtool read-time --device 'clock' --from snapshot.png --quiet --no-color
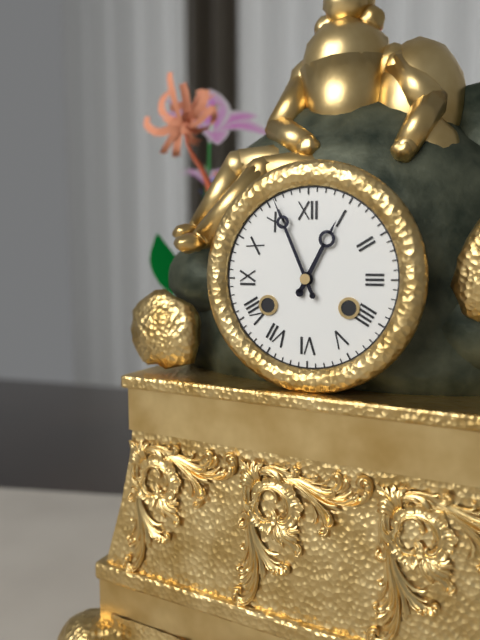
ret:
12:56
